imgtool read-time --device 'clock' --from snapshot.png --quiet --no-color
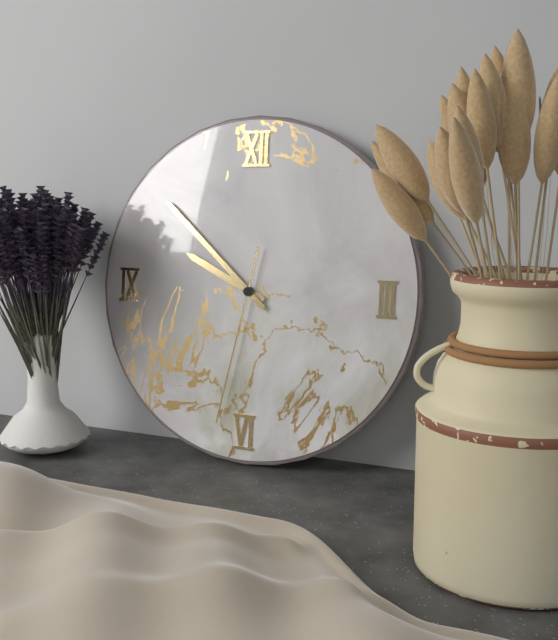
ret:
9:52:32
